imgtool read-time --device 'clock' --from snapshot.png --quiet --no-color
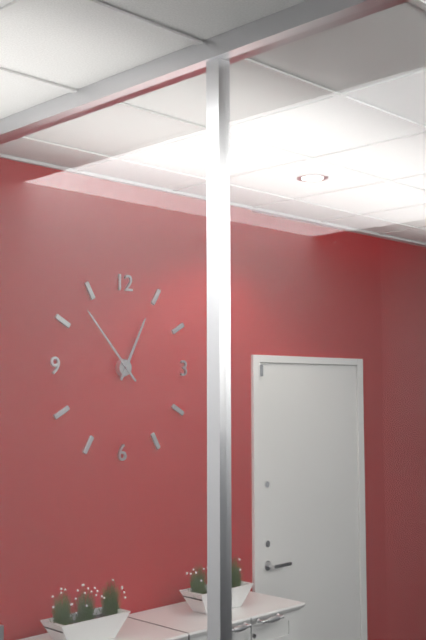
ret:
12:53
